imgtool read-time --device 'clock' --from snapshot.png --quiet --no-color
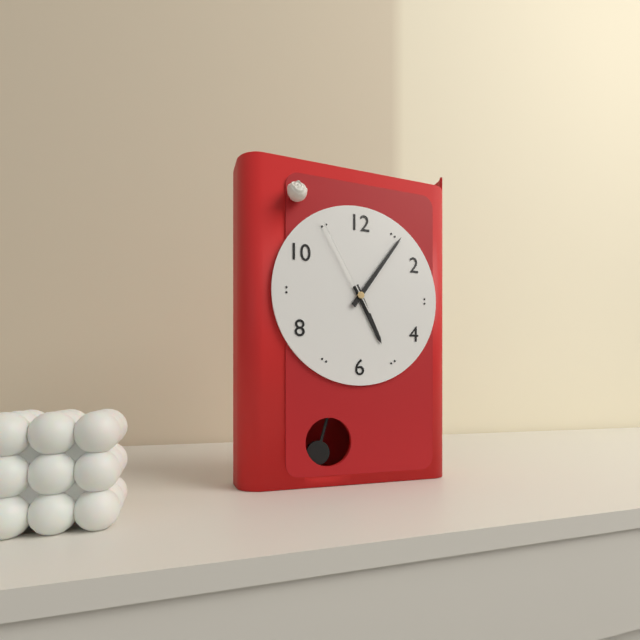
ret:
5:06:55
